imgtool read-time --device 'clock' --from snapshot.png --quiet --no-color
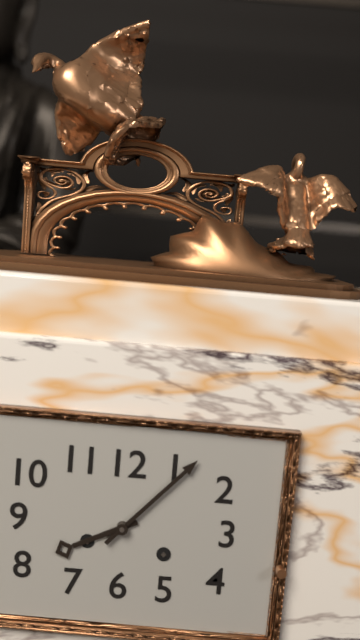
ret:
8:07
